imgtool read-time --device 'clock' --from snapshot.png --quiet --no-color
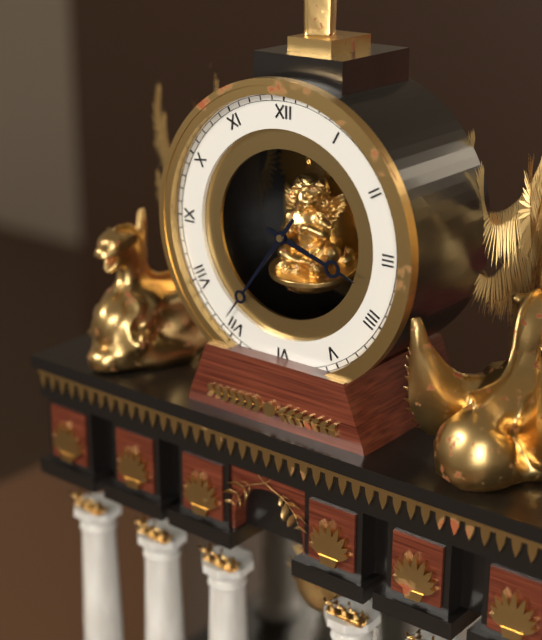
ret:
3:36
